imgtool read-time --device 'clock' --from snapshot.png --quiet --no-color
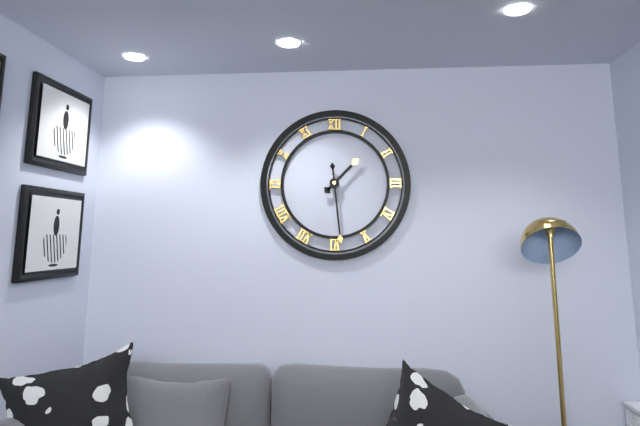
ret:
1:29
